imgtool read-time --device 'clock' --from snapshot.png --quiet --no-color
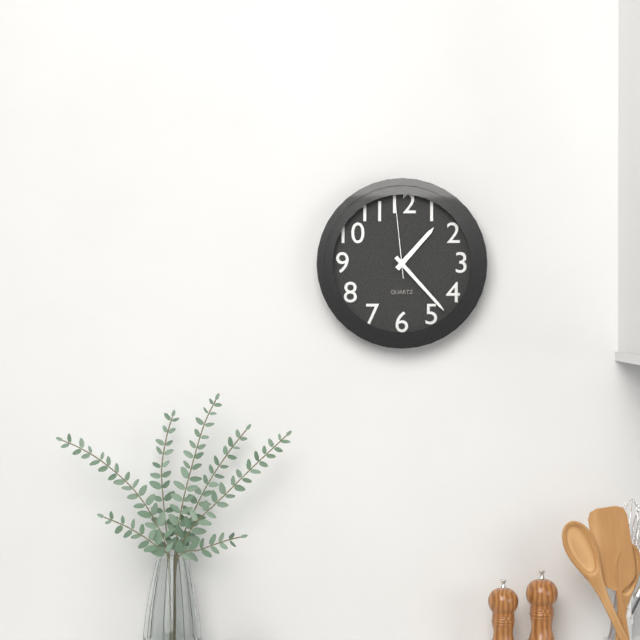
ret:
1:23:59
